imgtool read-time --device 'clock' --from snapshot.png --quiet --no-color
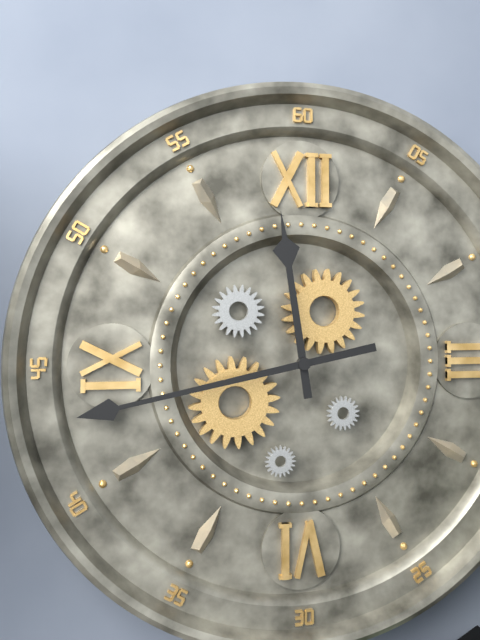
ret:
11:43
